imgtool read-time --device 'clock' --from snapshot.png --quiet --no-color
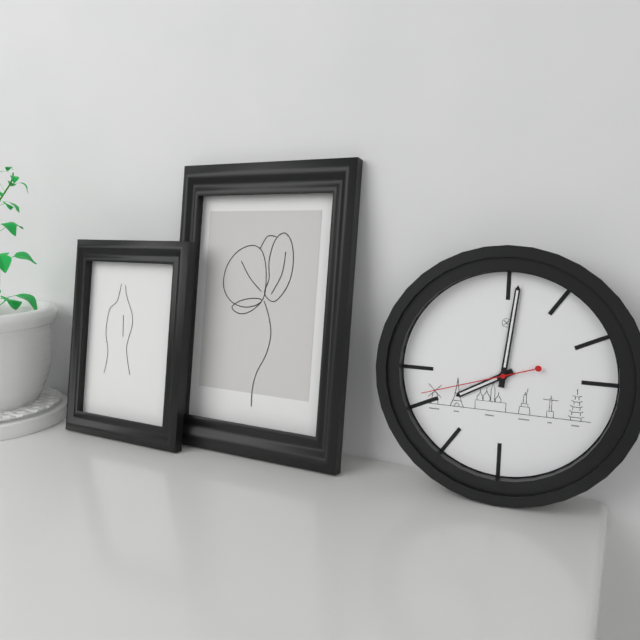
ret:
8:01:42
